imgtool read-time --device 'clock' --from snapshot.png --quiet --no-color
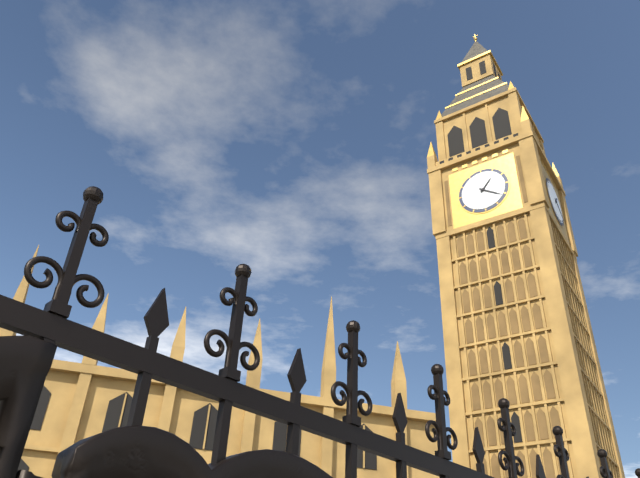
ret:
1:21
